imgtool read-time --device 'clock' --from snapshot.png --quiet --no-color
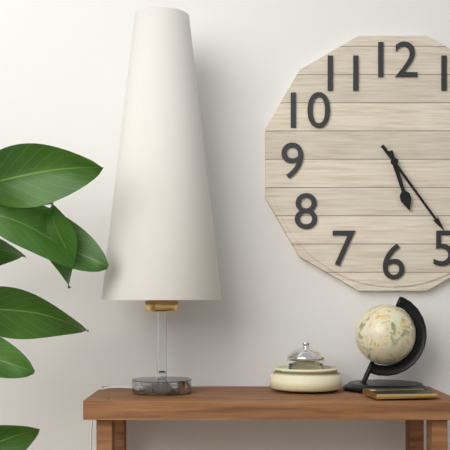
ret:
5:24
